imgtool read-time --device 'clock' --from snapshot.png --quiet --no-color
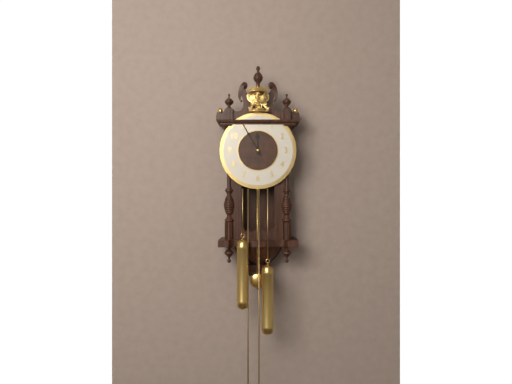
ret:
11:55
